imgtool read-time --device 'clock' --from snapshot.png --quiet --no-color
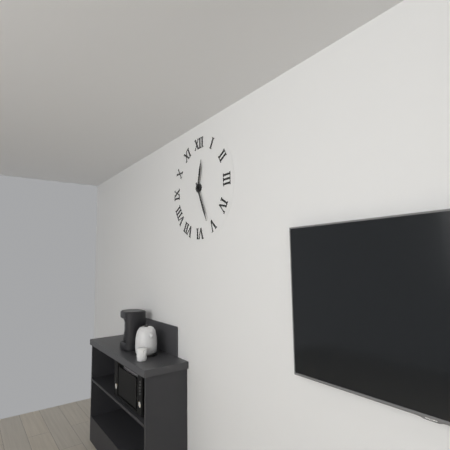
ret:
12:26
